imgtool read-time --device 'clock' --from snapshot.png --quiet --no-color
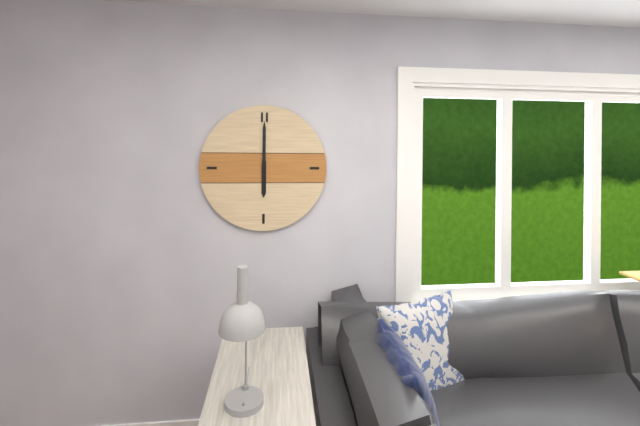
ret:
6:00
